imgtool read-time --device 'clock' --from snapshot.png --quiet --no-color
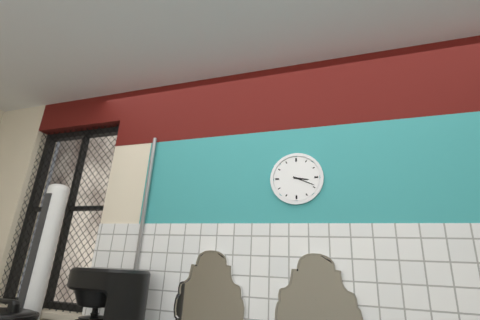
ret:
3:19
